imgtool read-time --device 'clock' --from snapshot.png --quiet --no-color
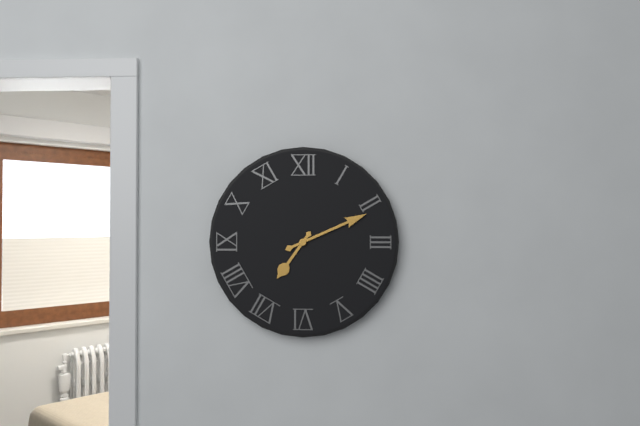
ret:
7:11
